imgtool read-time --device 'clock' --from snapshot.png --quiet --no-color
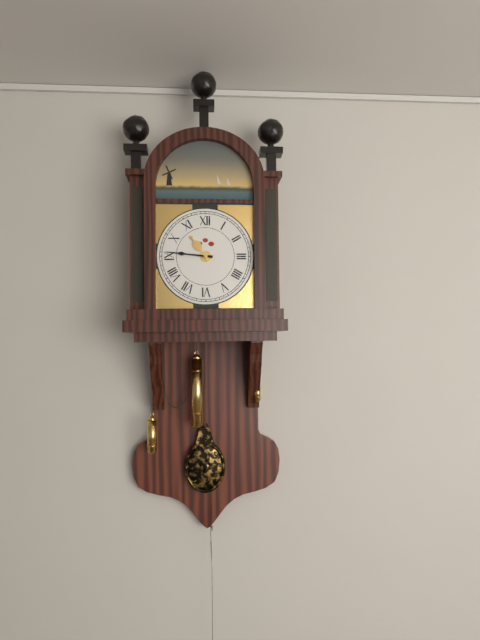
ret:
10:46
